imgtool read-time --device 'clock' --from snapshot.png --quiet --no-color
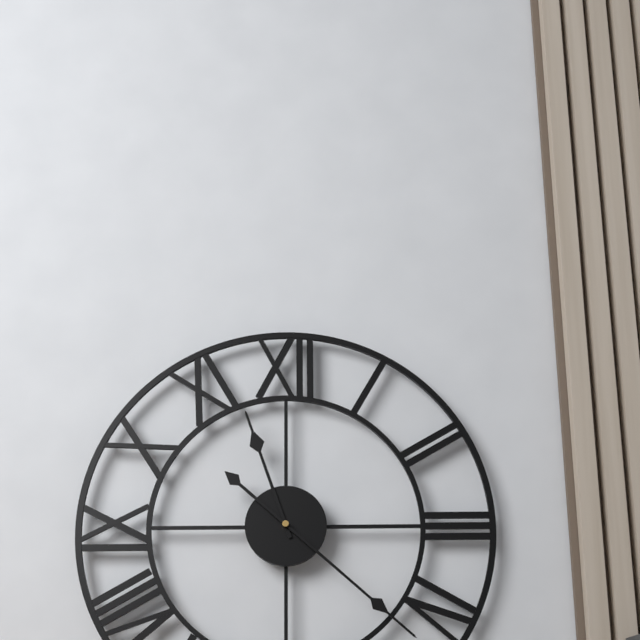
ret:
11:22
